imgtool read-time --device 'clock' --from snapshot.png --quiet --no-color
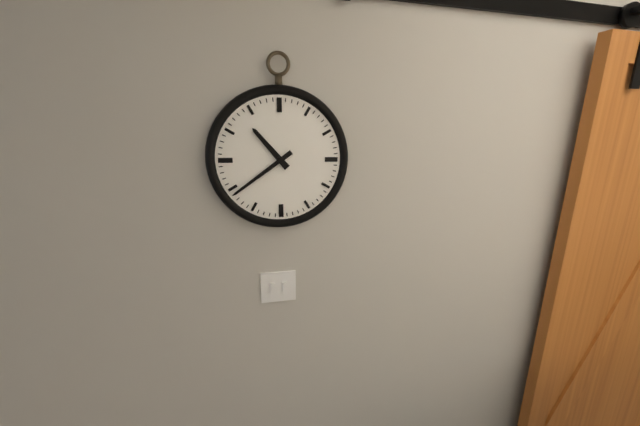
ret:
10:39
